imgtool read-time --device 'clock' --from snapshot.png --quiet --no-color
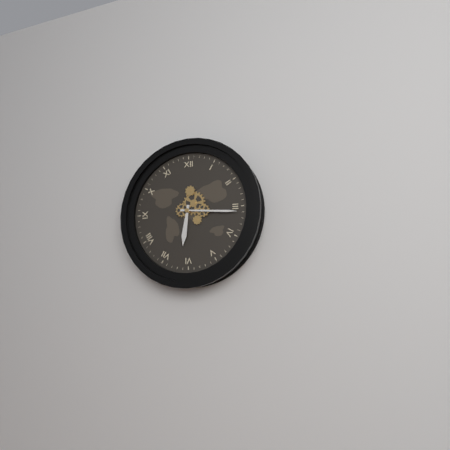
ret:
6:16
